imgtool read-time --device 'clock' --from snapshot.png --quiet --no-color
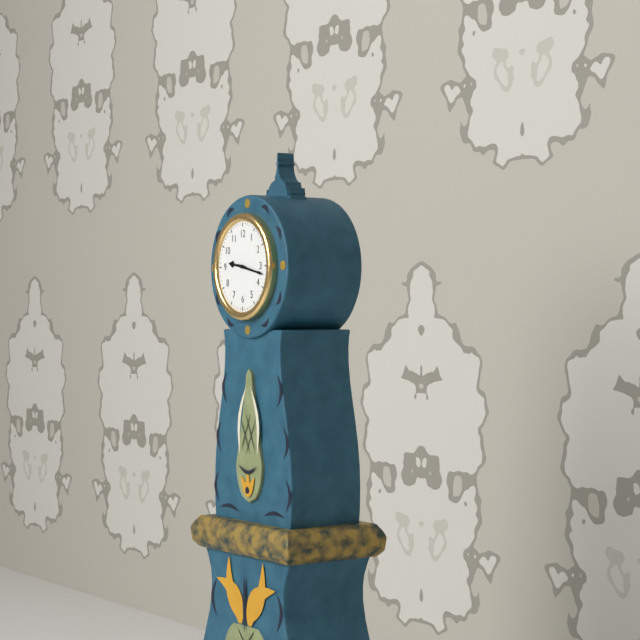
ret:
9:17
